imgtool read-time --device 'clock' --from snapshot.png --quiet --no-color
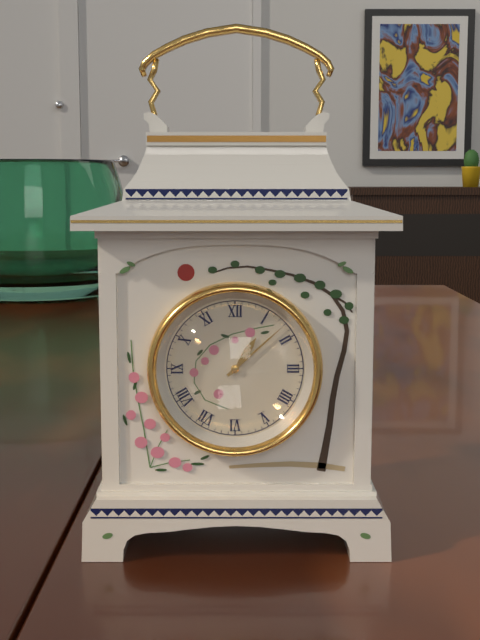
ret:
1:08
